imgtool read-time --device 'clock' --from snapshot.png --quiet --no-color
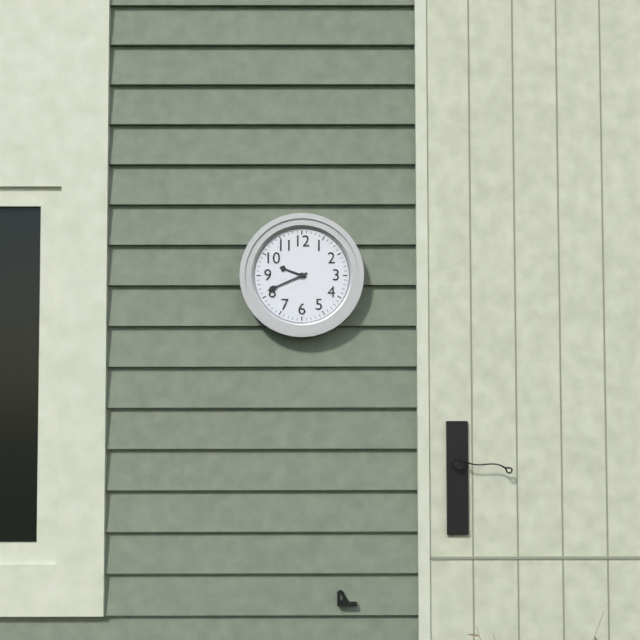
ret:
9:41
